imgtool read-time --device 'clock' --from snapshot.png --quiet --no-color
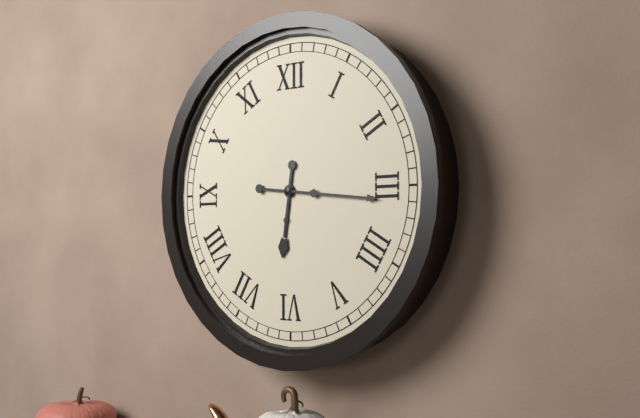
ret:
6:16
